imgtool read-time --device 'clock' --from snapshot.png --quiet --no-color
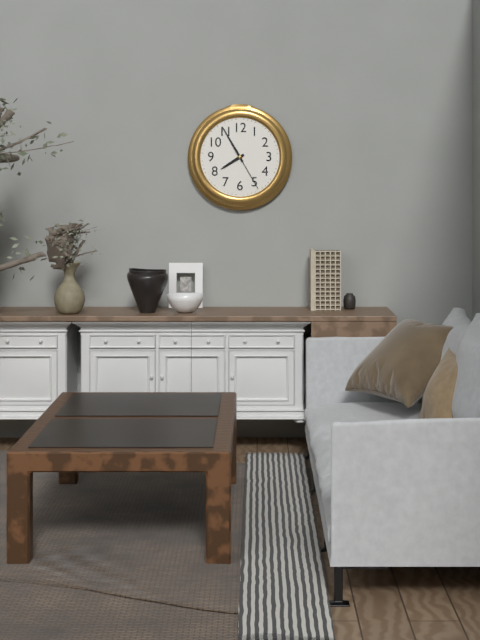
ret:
7:55
